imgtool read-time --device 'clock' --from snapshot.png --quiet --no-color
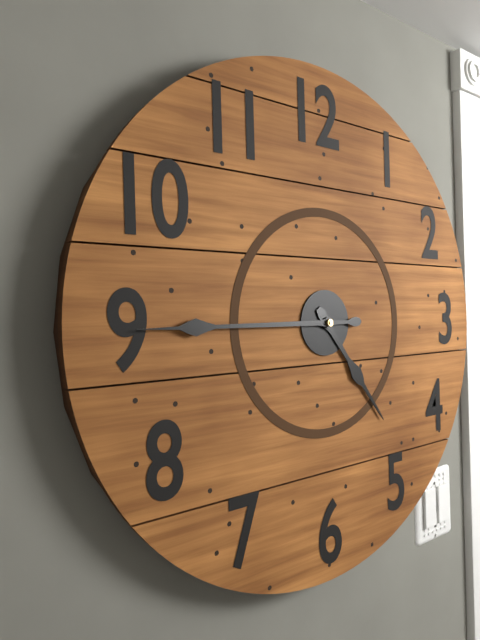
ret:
4:45
